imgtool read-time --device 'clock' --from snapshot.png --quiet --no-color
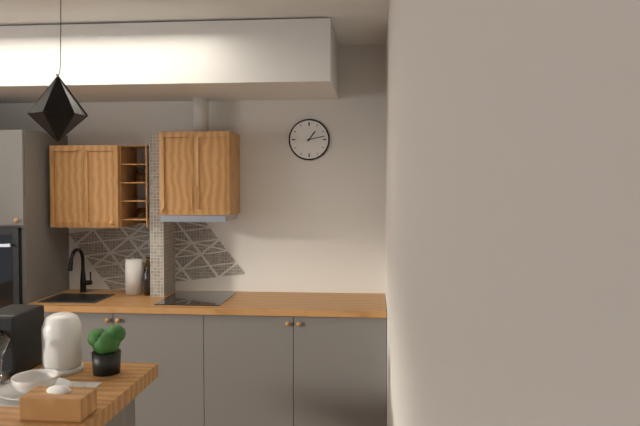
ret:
1:13
